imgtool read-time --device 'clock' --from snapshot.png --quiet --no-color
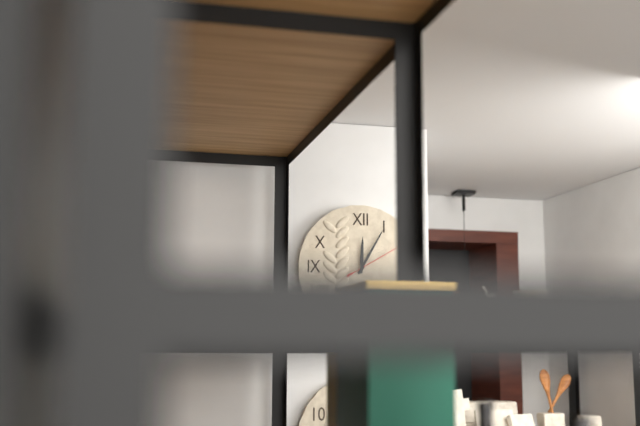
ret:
12:05:10
